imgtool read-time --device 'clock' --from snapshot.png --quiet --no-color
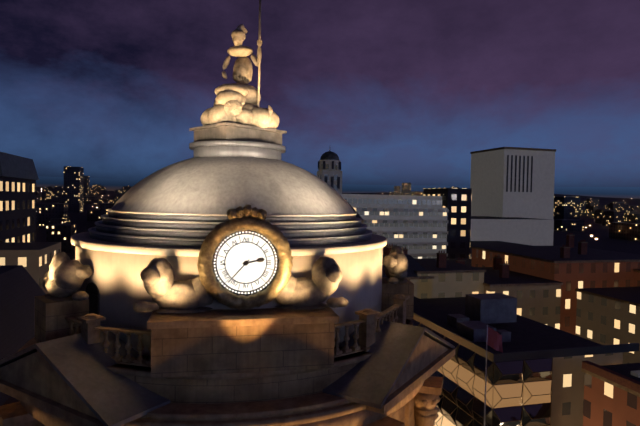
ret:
2:37
